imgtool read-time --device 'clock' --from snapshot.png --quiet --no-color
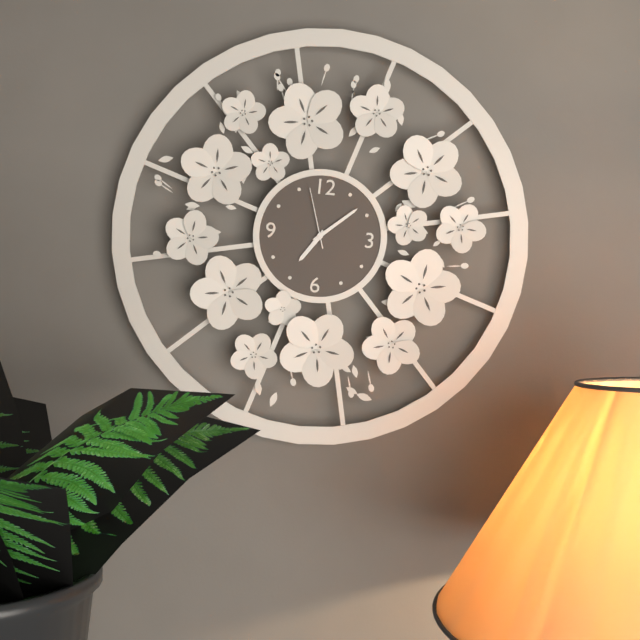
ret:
7:08:57
